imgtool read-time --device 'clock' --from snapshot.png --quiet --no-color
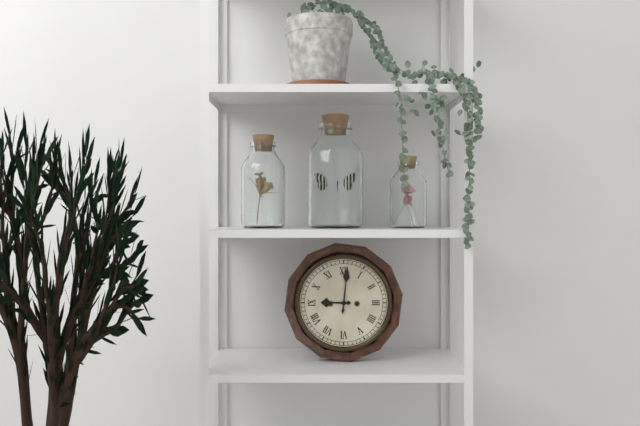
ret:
9:01
